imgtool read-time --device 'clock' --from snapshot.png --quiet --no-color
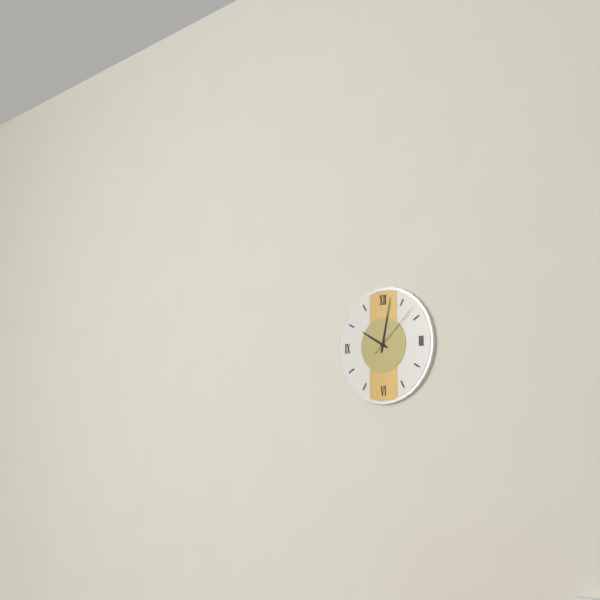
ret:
10:02:08
